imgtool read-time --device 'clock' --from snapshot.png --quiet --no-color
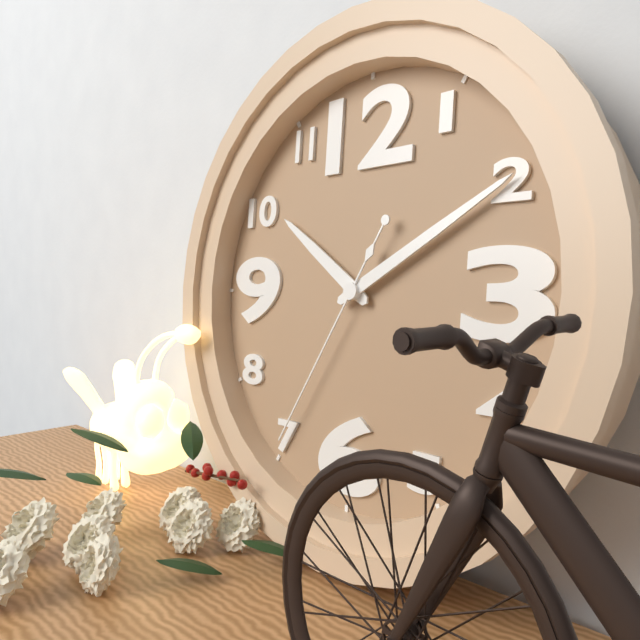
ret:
10:10:35
